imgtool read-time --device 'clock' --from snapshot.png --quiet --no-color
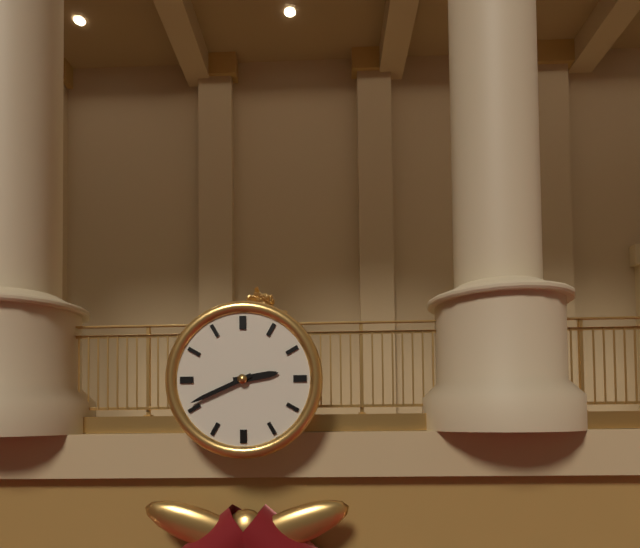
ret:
2:41
